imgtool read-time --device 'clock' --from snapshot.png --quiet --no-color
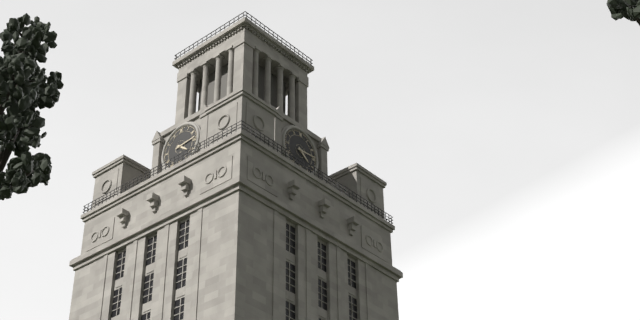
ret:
4:14
